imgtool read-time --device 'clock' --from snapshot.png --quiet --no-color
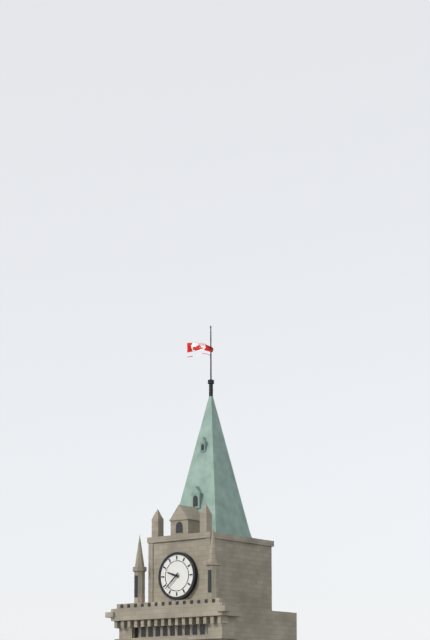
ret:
9:38
